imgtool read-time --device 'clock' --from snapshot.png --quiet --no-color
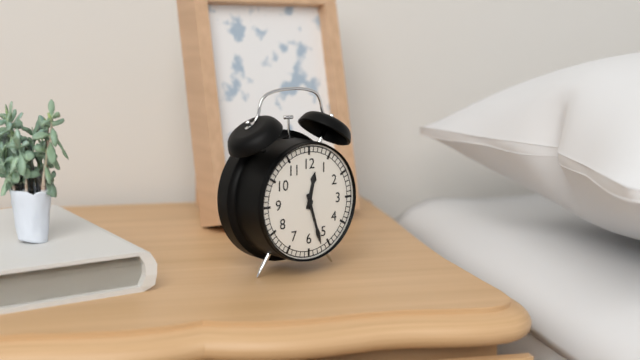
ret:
12:27
